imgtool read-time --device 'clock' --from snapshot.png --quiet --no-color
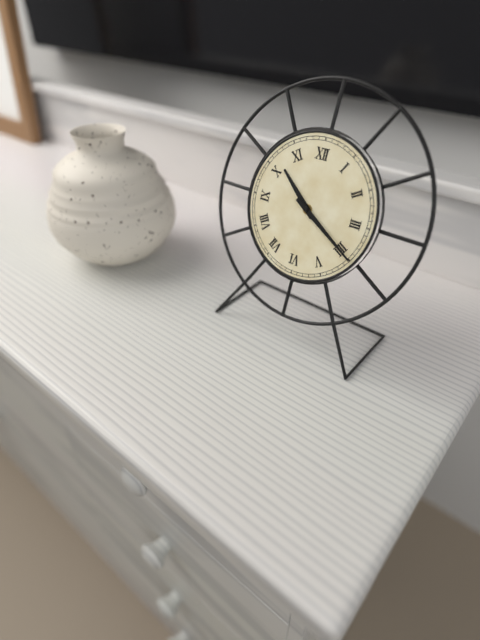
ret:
10:20
